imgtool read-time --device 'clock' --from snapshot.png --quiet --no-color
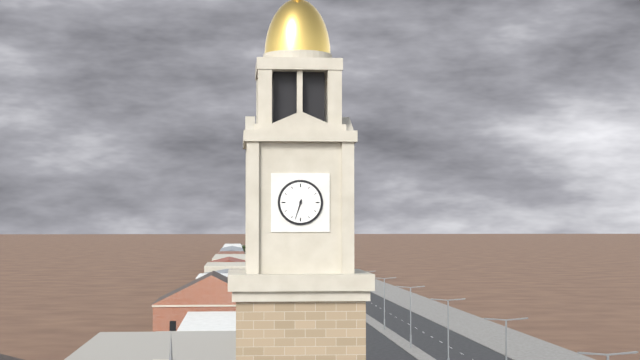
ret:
6:33
